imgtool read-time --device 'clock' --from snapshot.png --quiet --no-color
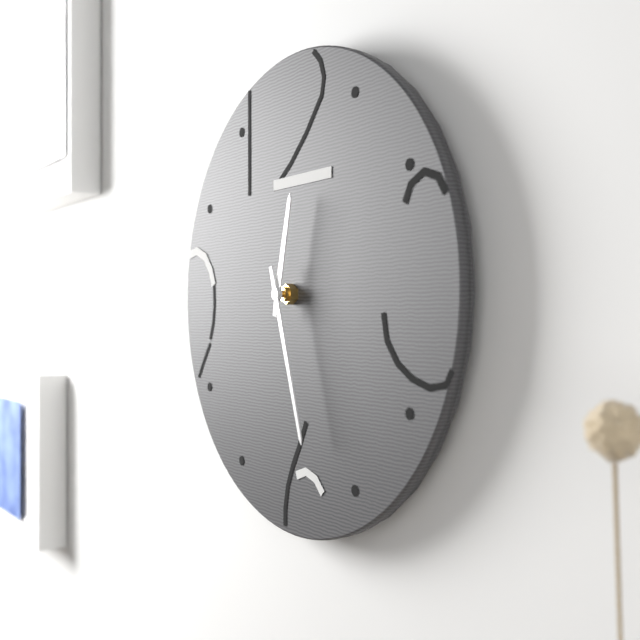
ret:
12:27
